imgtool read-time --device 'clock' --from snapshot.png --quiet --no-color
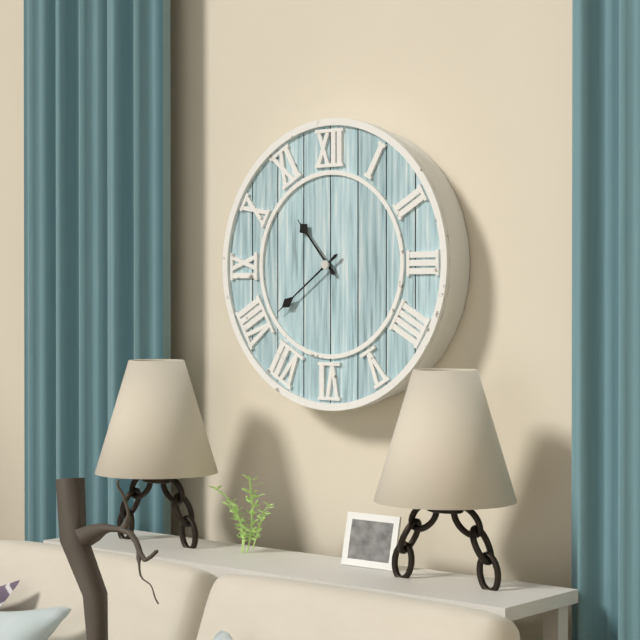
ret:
10:39
